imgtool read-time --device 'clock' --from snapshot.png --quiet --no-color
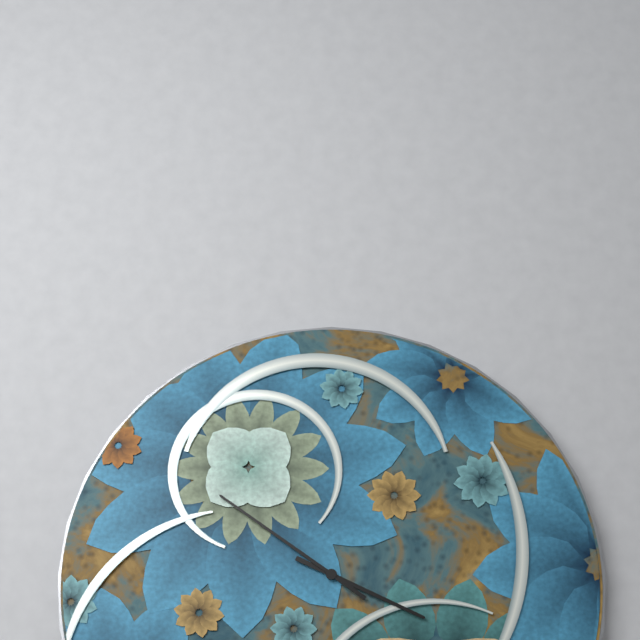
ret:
3:51
